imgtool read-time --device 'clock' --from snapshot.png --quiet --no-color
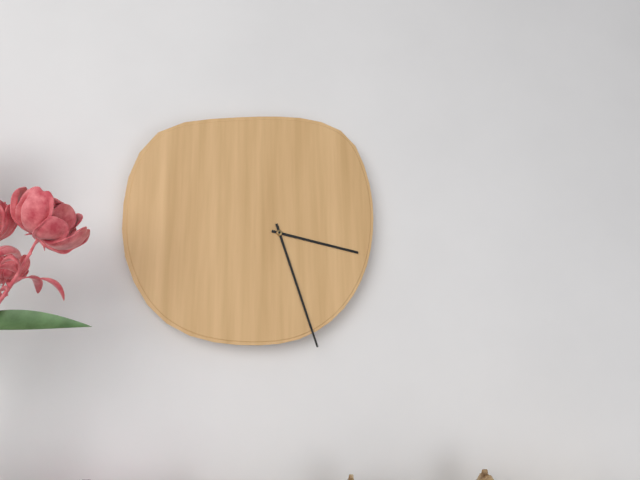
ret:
3:27
